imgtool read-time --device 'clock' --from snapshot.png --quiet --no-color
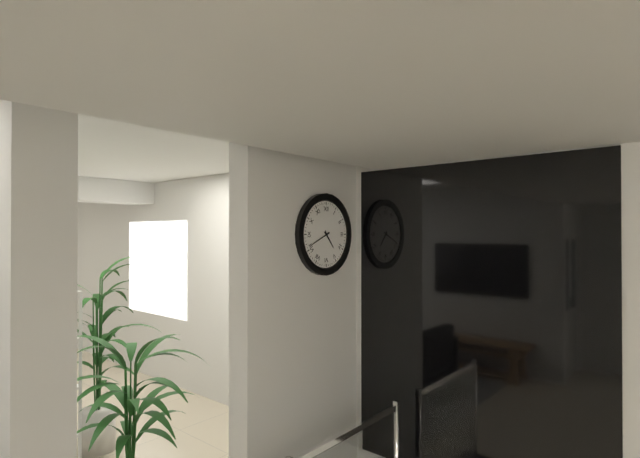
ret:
4:41
